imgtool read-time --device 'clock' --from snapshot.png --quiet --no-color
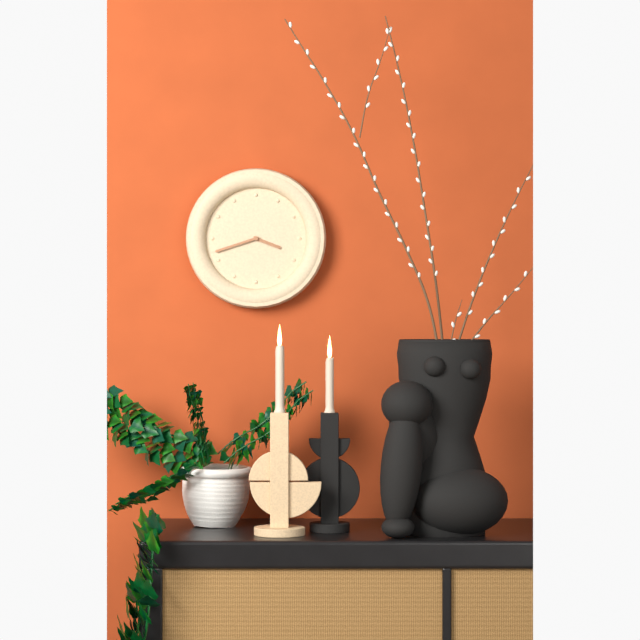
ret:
3:42
